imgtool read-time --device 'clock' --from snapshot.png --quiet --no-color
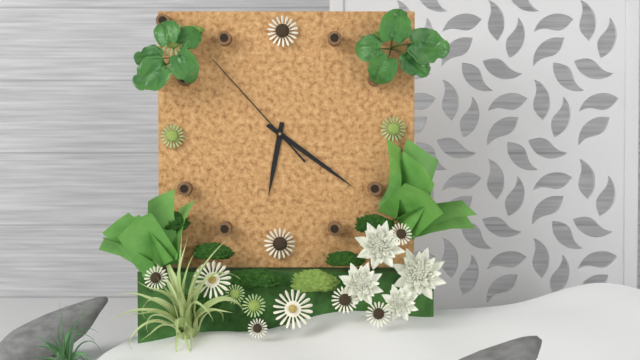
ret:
6:21:53
